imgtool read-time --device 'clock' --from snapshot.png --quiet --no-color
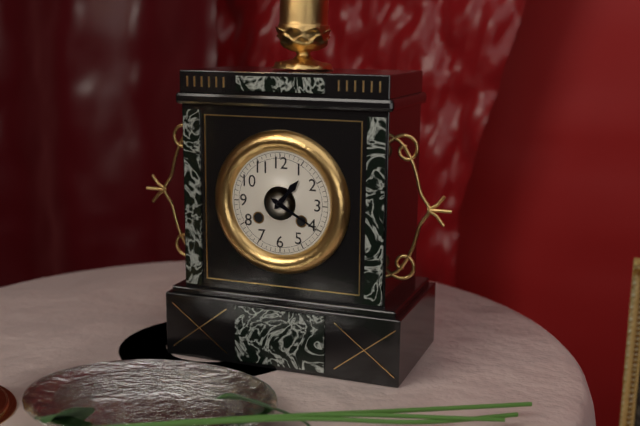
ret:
1:20
